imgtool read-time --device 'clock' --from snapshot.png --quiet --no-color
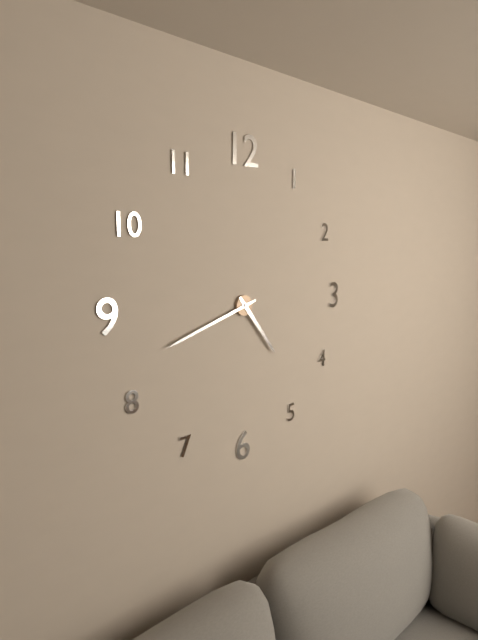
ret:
4:42
